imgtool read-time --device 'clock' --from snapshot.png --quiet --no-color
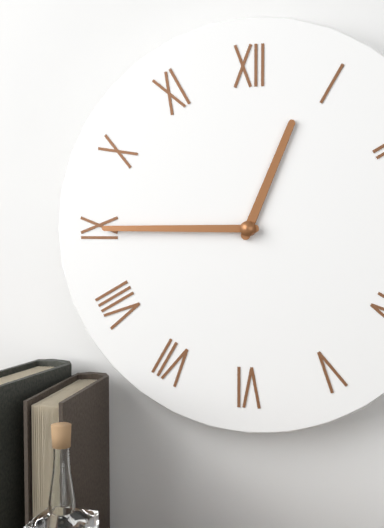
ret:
12:45
